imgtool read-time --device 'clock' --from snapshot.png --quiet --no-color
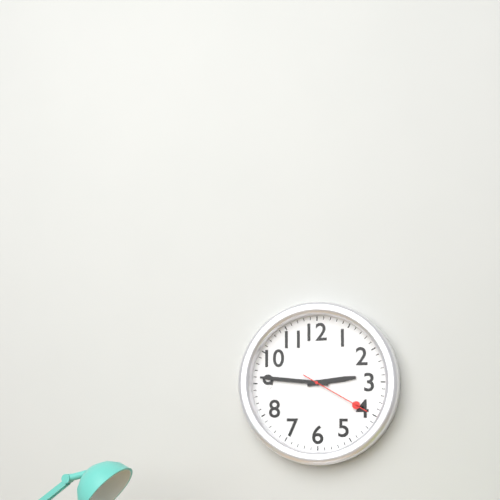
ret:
2:46:20
